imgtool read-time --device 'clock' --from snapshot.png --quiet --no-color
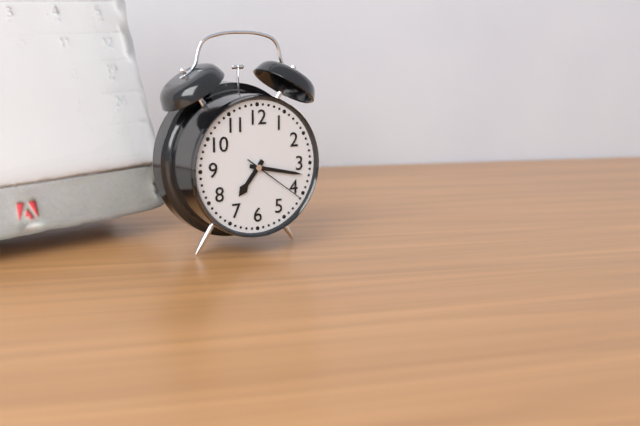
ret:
7:17:21
